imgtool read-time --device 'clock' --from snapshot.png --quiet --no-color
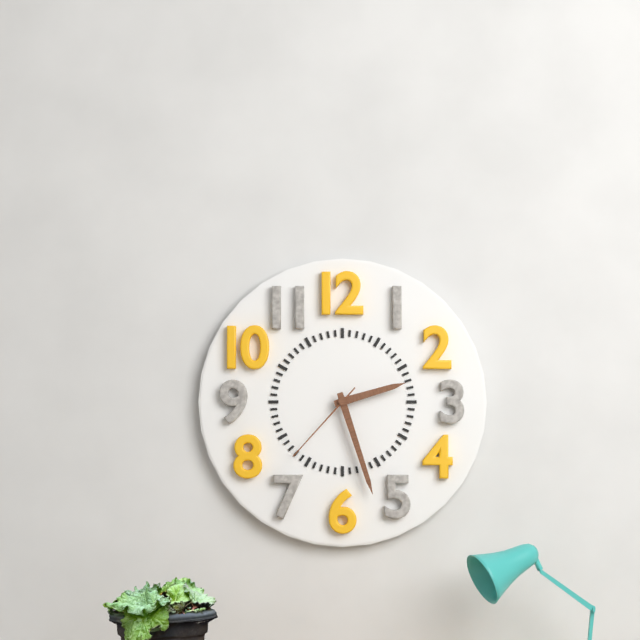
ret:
2:27:37
